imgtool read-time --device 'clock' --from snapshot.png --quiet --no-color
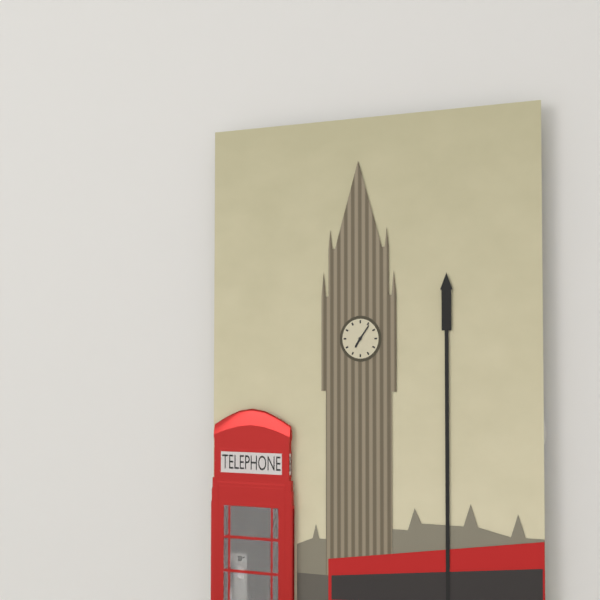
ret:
7:06
